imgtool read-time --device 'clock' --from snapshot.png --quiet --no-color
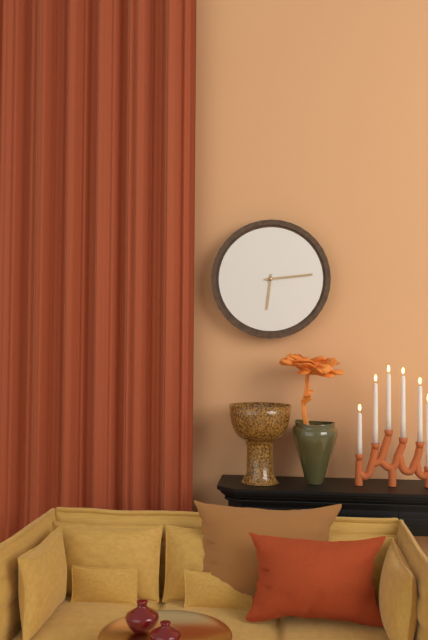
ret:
6:14
